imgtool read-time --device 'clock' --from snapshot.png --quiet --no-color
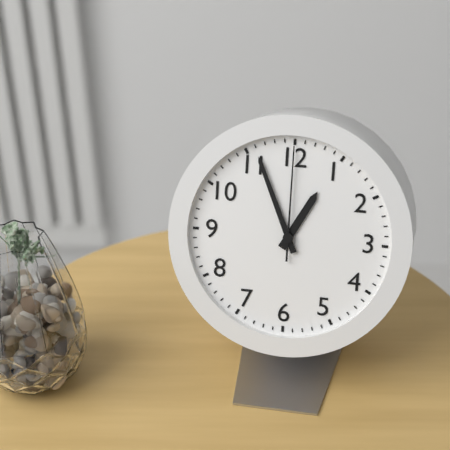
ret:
12:56:00
